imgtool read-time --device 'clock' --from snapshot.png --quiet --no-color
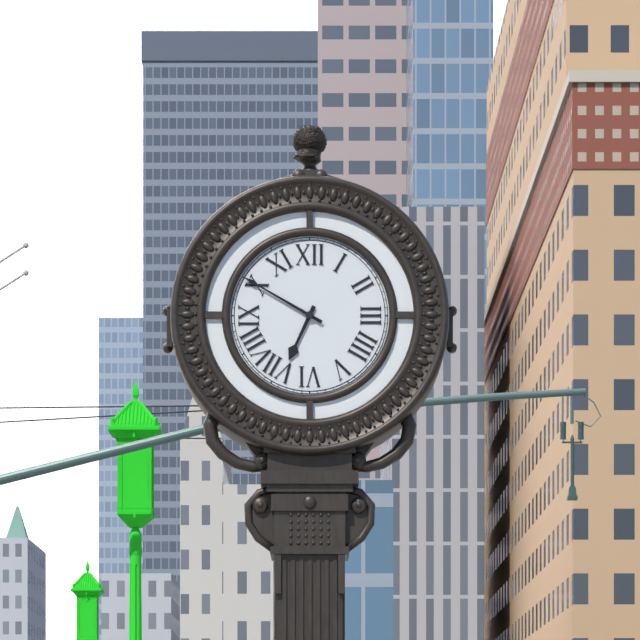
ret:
6:50
